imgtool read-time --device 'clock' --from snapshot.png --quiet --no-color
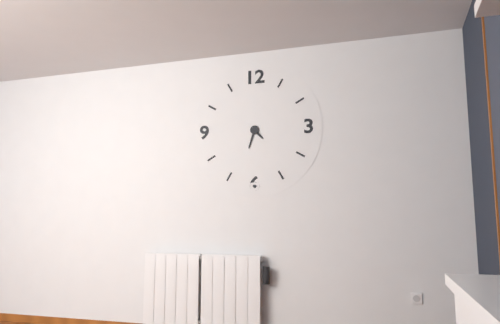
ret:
4:33
